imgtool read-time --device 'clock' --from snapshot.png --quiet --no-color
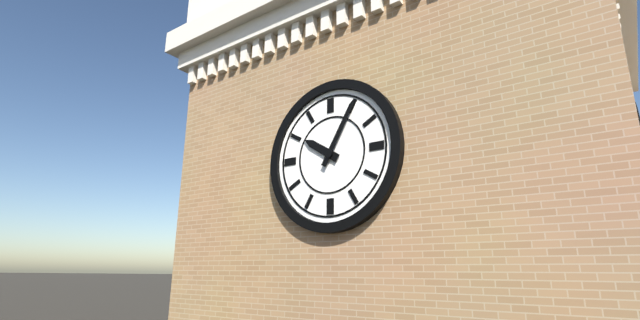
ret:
10:05
